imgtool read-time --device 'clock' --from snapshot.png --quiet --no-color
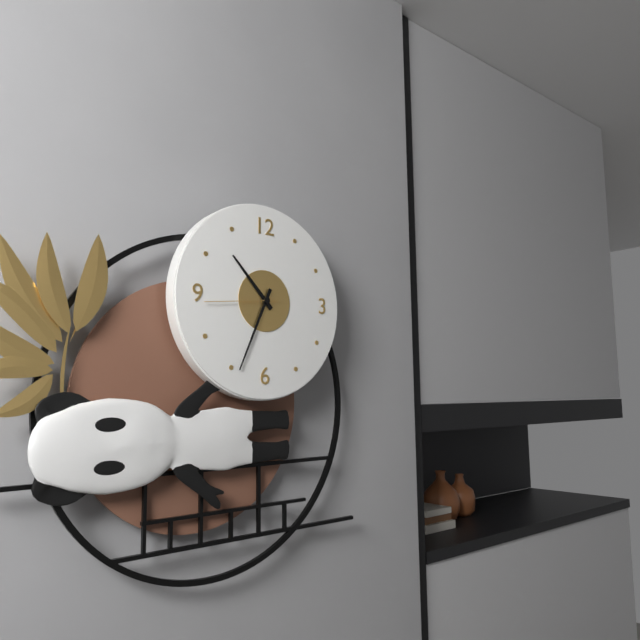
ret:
10:34:44
